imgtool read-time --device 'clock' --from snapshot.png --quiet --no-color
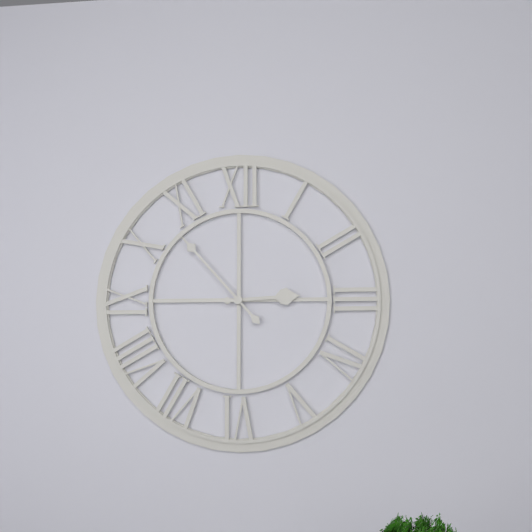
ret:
2:53
